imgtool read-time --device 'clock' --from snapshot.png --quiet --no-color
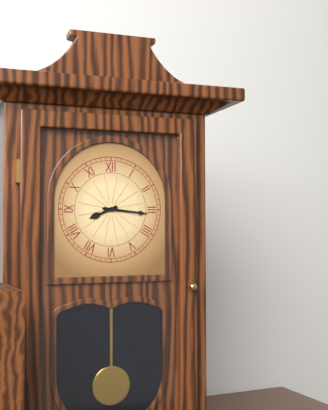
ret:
8:16
